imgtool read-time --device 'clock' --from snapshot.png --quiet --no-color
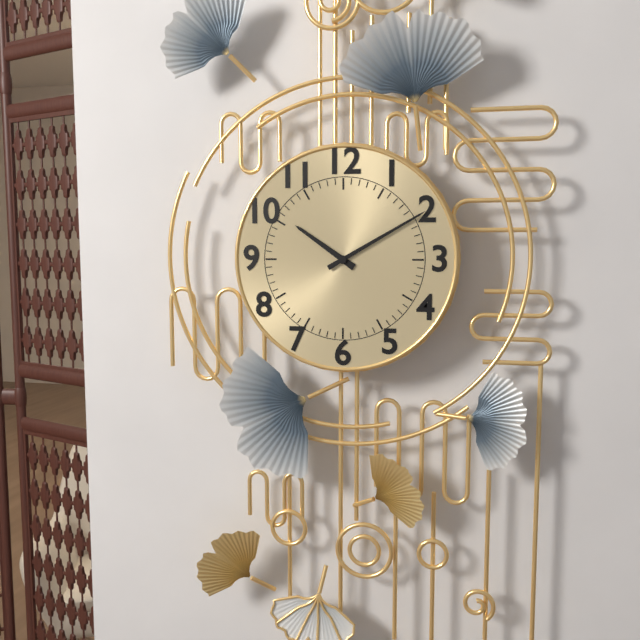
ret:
10:10
